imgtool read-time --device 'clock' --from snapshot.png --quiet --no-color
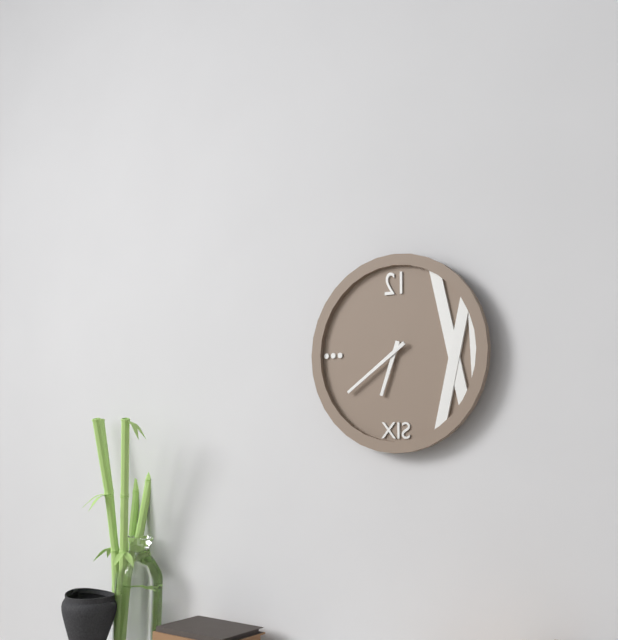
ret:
6:39
